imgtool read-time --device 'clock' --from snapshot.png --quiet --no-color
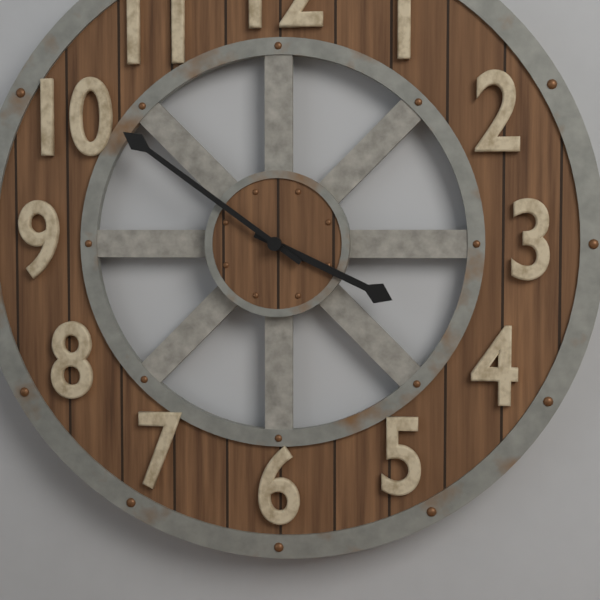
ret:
3:51
